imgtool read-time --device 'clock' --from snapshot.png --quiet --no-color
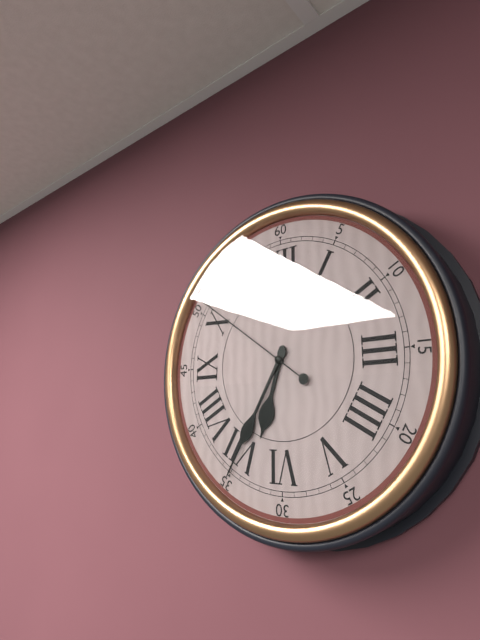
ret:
6:35:51
